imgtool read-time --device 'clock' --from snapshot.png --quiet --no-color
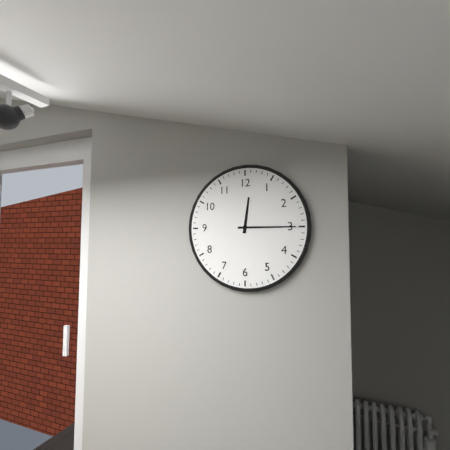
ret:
12:15
